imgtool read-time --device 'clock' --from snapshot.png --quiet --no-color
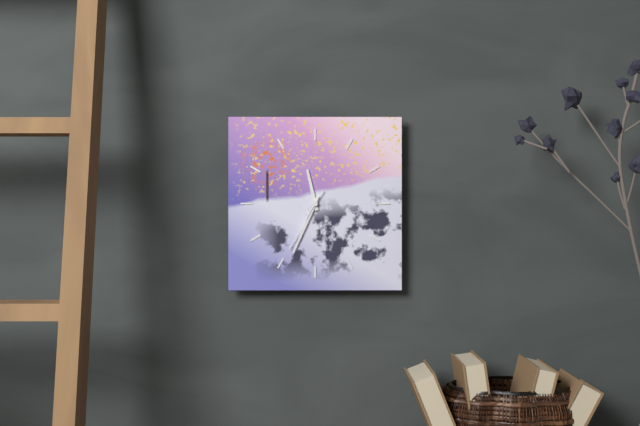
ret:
11:34:35
